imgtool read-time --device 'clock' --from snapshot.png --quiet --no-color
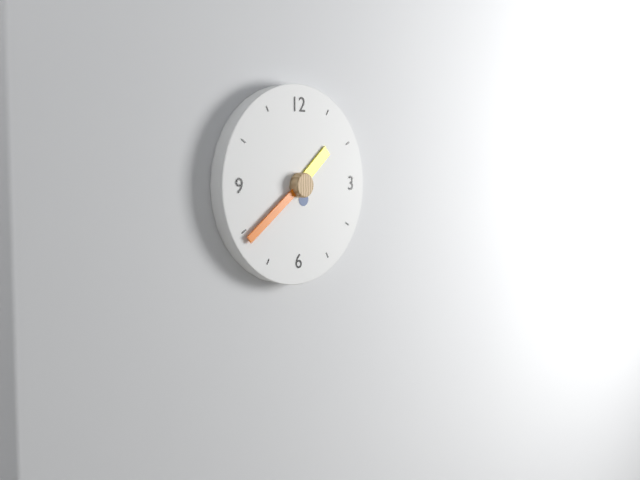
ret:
1:39
